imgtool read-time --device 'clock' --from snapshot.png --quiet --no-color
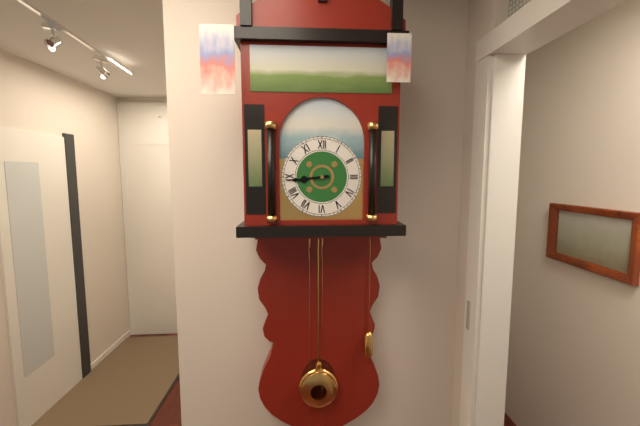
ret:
8:44
